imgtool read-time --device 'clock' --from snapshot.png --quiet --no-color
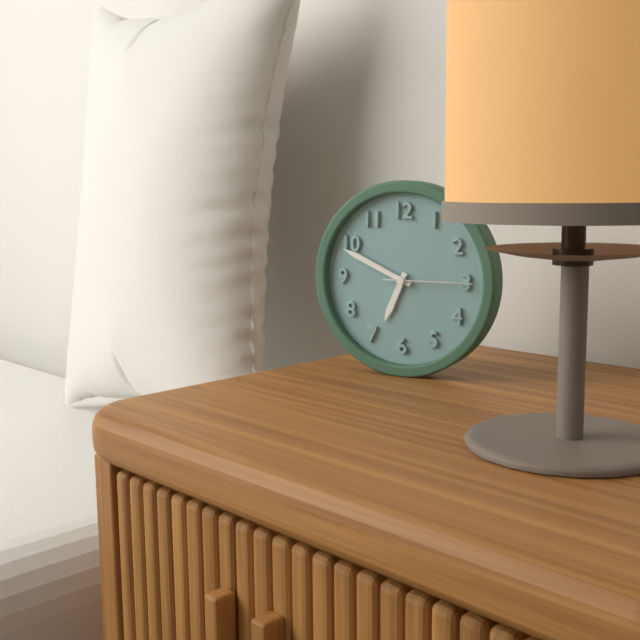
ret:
6:49:15
